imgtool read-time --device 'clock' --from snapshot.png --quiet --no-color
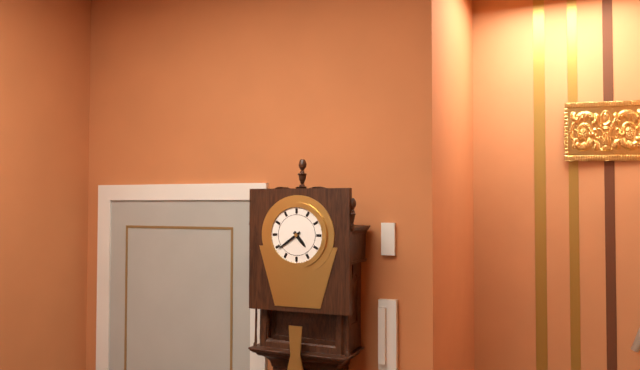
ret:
4:39
